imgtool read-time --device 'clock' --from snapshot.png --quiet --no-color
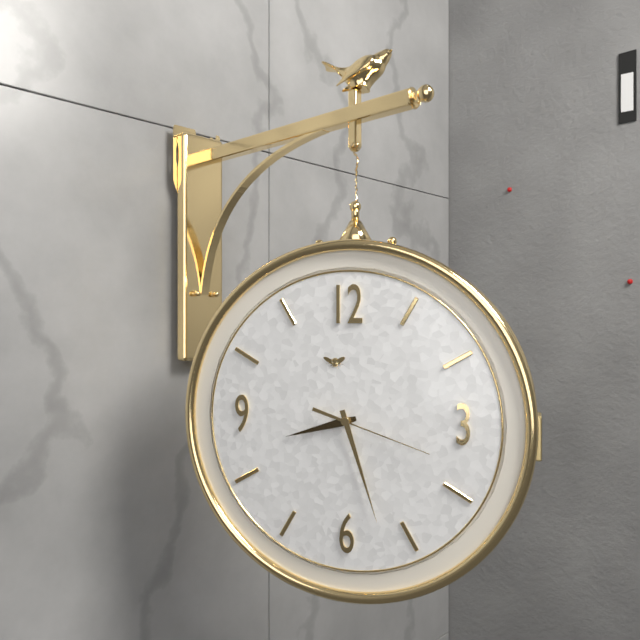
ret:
8:27:18
